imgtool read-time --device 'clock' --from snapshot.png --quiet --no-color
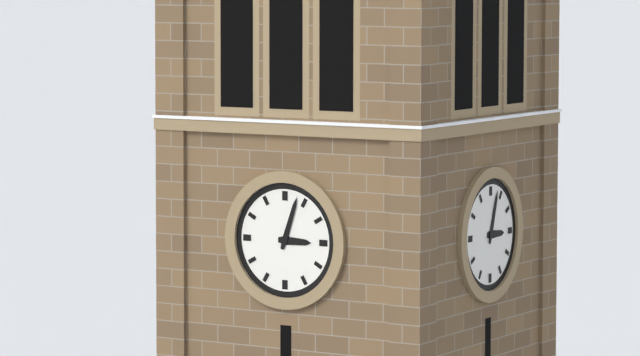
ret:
3:03
